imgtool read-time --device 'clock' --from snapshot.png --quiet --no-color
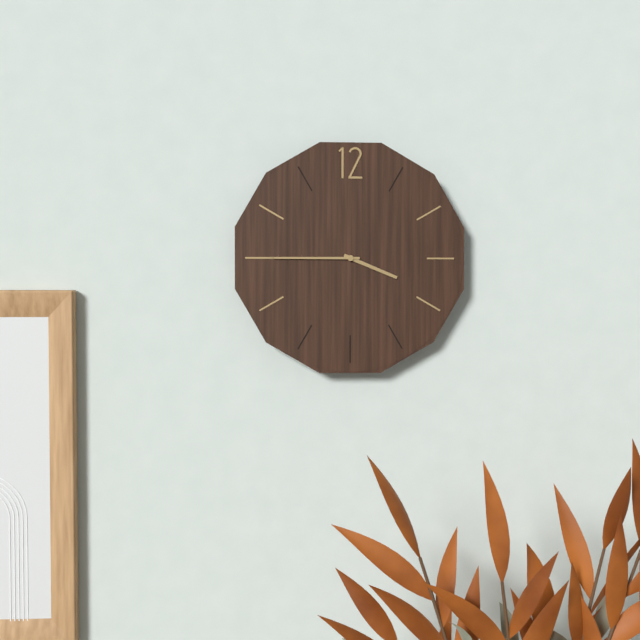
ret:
3:45
